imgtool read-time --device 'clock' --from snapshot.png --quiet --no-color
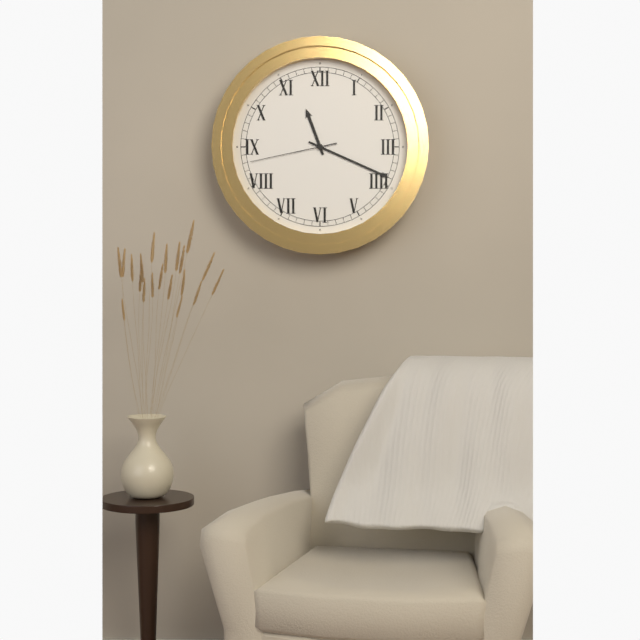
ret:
11:19:43
